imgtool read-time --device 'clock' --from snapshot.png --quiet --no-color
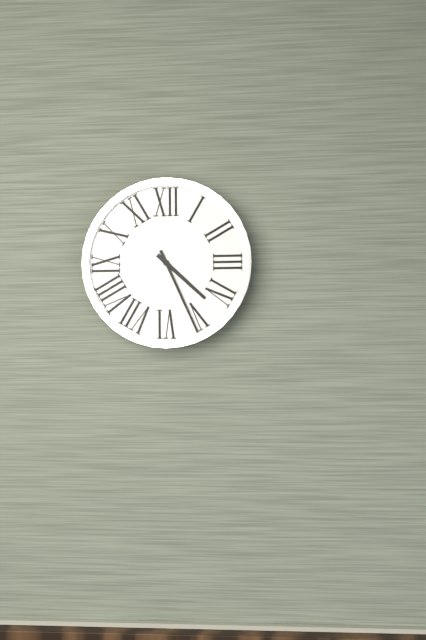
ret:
4:26
